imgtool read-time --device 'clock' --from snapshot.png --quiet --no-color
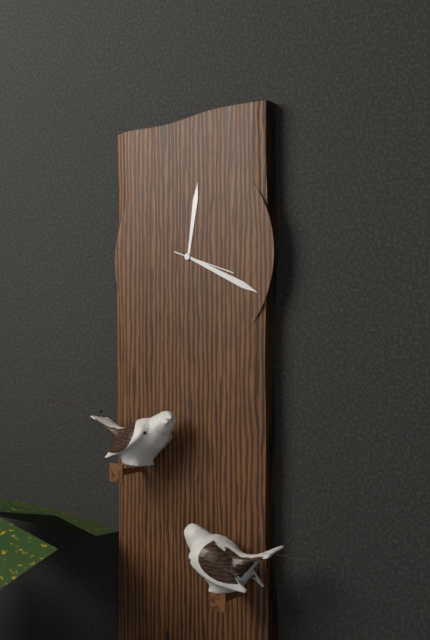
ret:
12:19:18
